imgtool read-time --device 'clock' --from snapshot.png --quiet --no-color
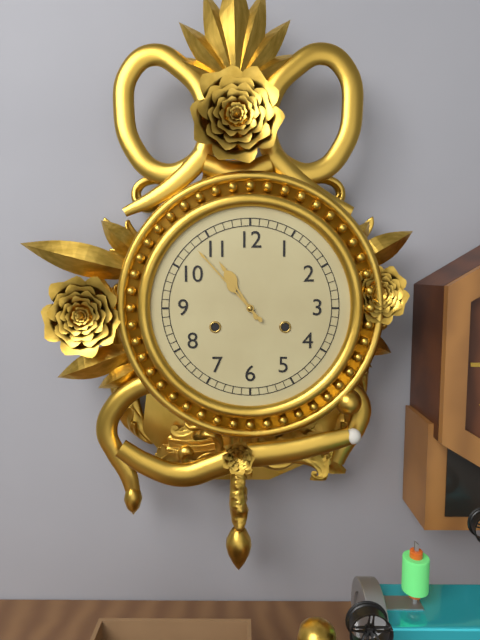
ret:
10:53
